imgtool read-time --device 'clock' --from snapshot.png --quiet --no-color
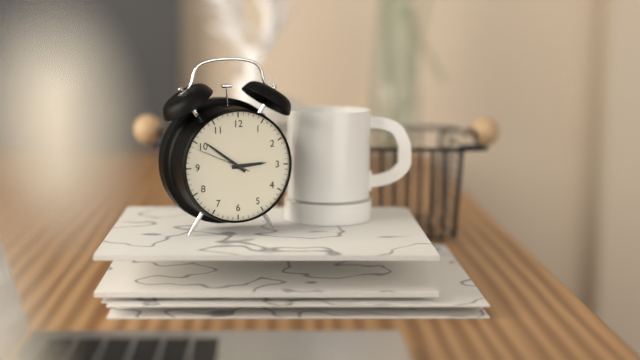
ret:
2:51
